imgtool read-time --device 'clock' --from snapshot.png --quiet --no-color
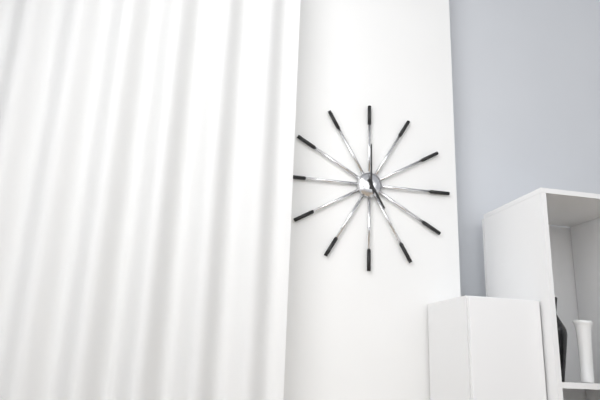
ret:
5:00
